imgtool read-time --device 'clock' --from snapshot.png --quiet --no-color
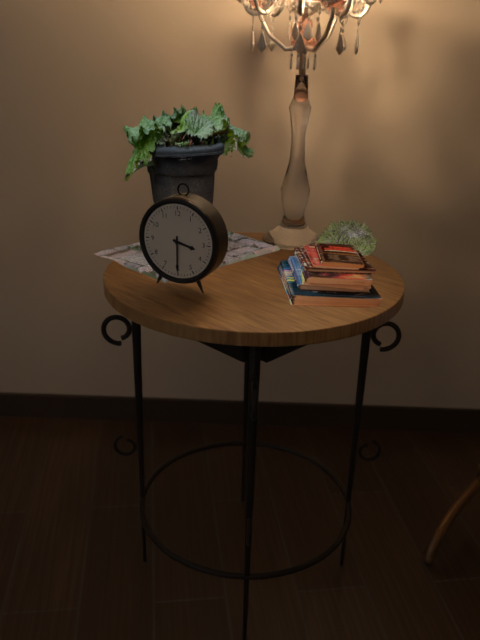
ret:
3:30
